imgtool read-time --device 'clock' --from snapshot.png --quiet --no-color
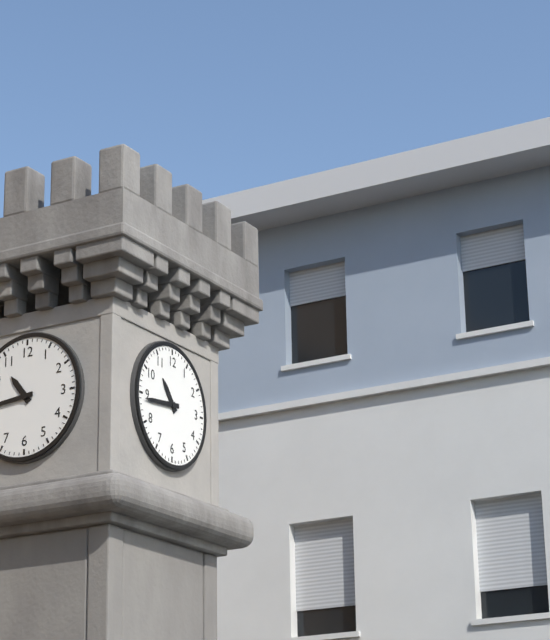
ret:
10:44
